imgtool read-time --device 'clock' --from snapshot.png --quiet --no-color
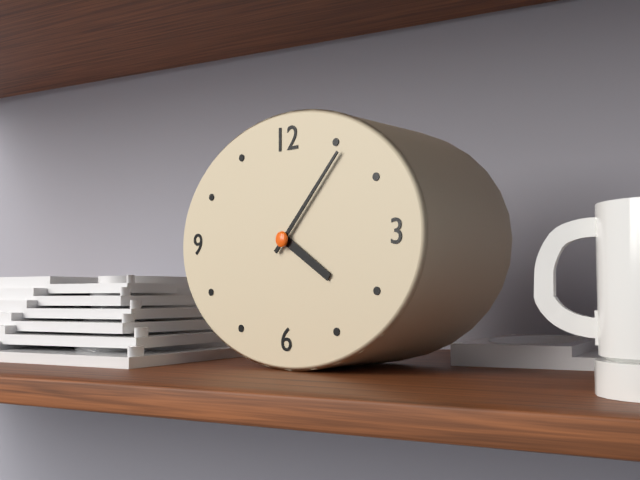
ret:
4:07
